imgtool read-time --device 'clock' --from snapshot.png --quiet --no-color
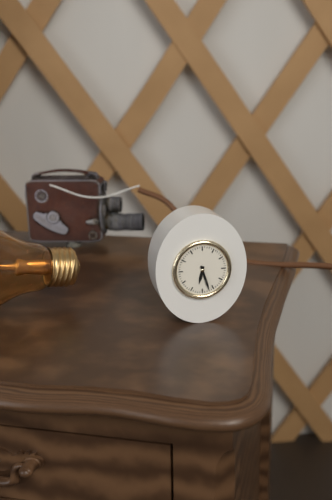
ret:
6:27
